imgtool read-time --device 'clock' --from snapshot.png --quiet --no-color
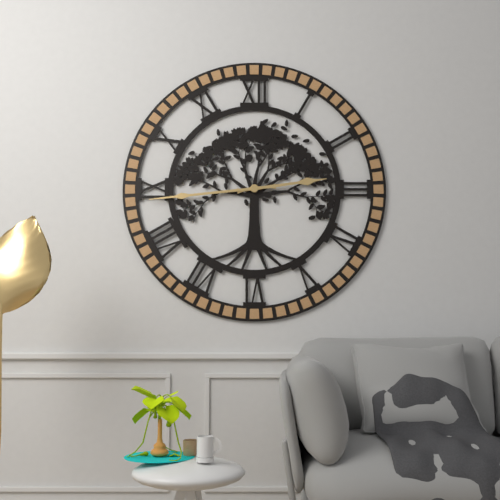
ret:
2:44
